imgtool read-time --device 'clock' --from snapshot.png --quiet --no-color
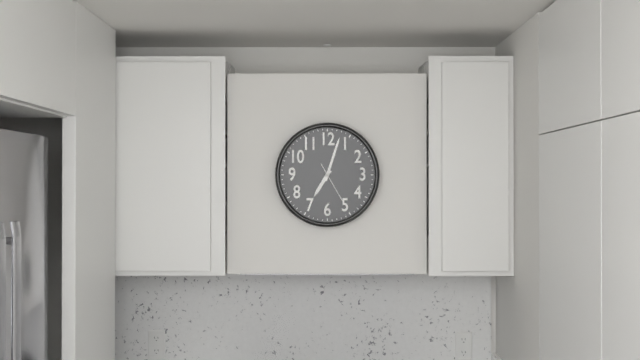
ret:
7:03
